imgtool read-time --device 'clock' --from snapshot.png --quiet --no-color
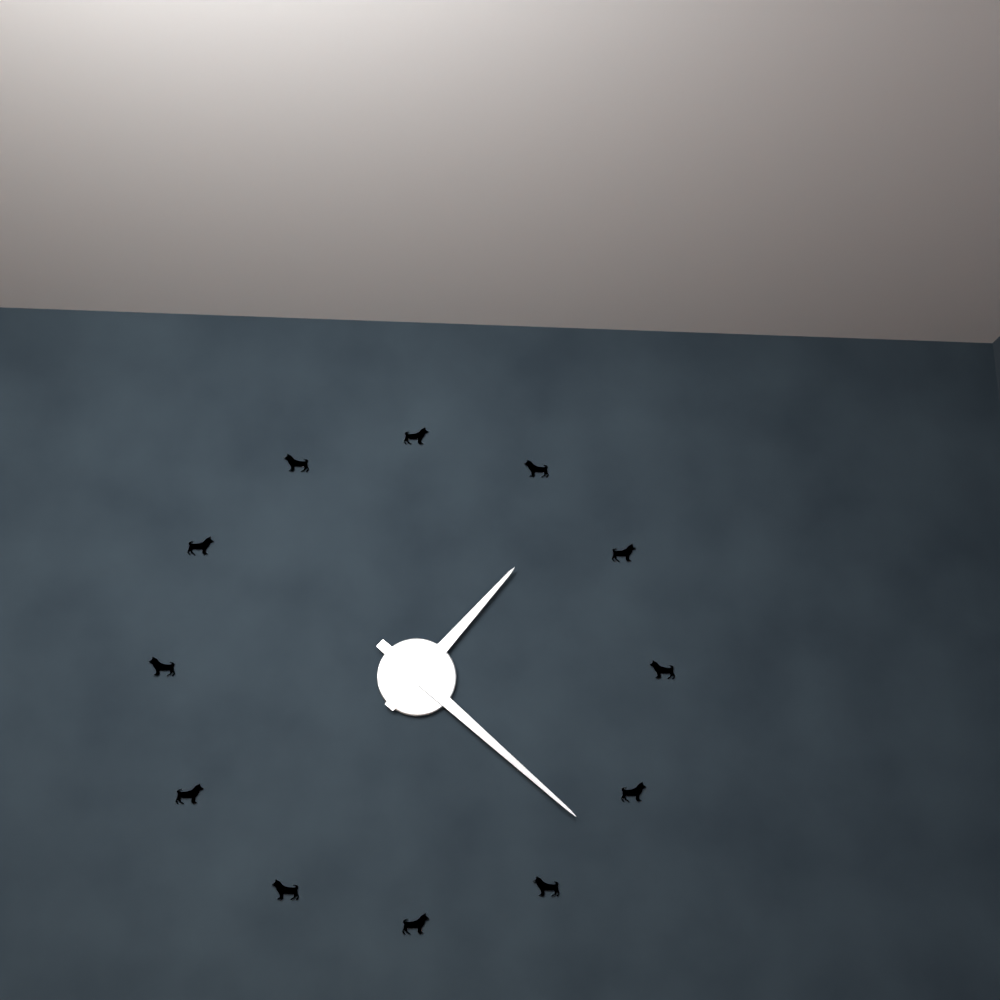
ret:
1:22
